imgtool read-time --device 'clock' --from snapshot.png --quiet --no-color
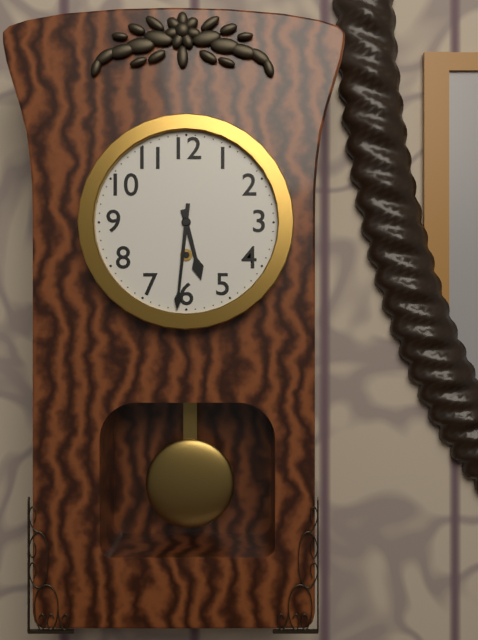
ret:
5:31
